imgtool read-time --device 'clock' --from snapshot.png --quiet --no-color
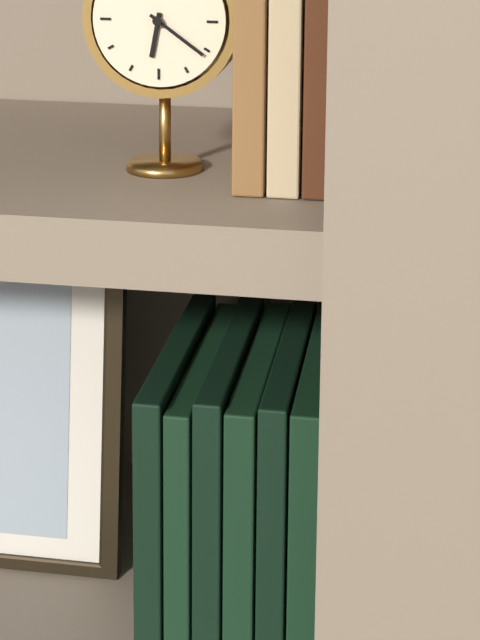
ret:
6:21
